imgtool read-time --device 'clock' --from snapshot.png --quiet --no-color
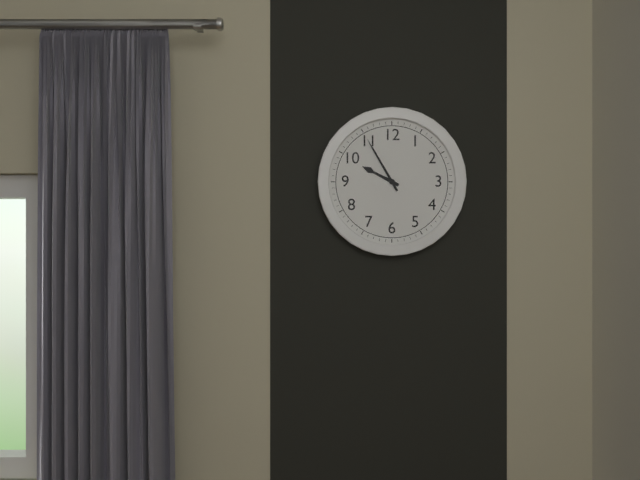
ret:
9:55
